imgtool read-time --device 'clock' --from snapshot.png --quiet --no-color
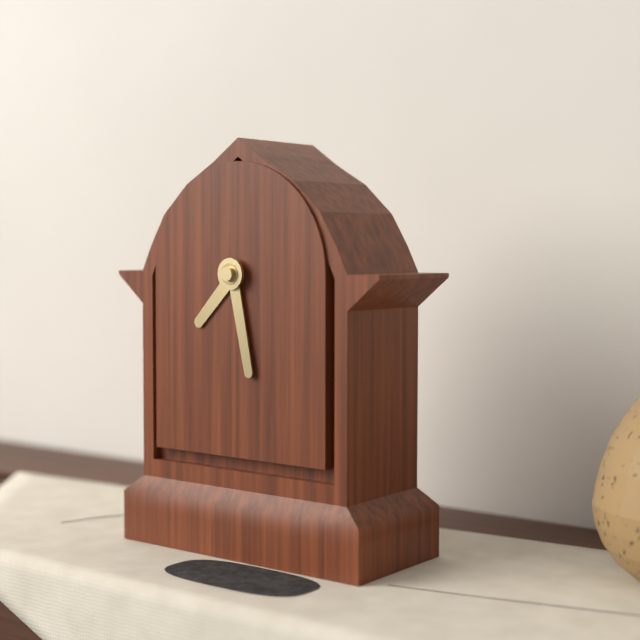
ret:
7:28
